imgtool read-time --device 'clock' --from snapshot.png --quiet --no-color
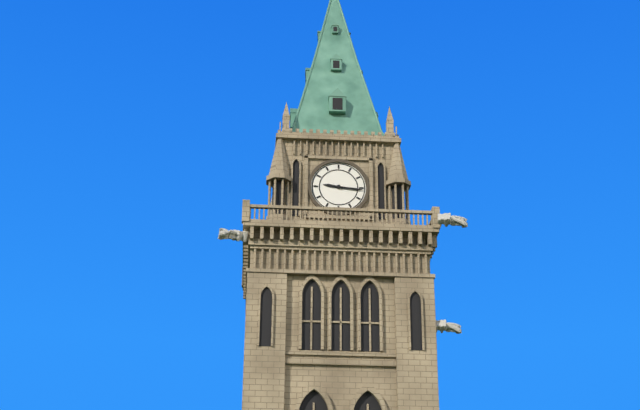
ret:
9:16
